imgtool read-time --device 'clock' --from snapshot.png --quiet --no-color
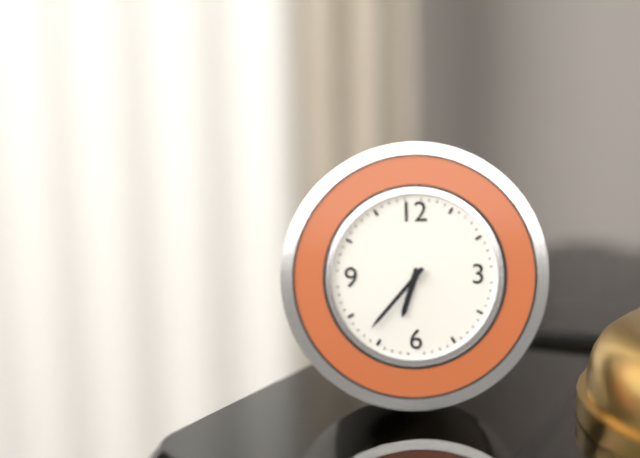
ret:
6:37
